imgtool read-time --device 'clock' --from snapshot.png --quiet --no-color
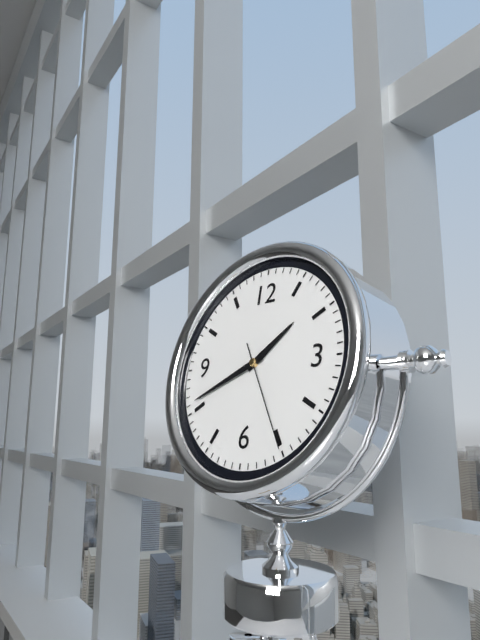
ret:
1:41:25
